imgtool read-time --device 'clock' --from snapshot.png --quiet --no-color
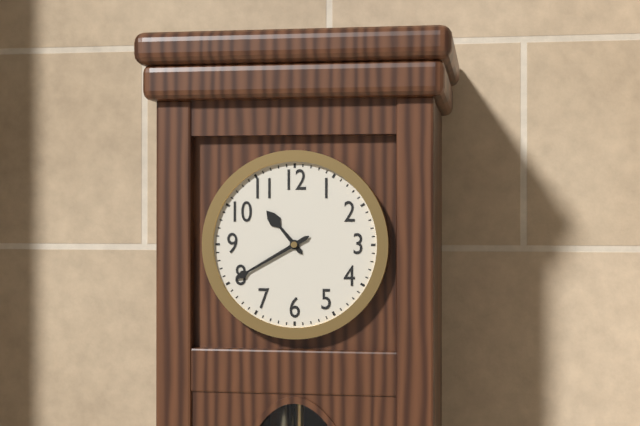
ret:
10:40
